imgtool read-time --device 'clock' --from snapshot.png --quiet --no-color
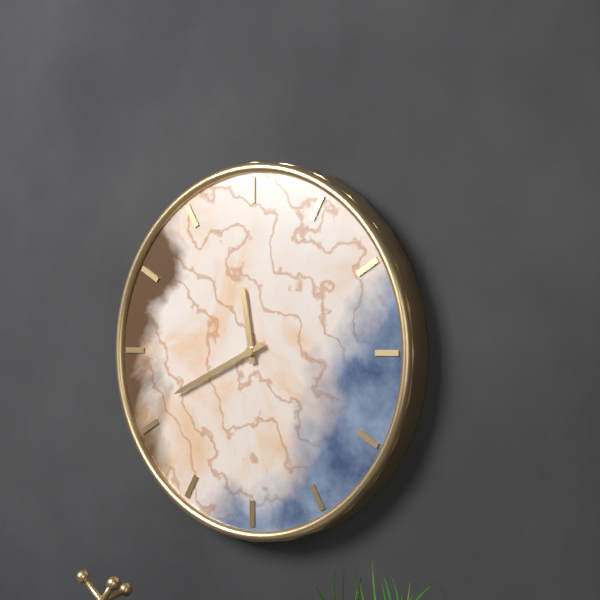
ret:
11:41
